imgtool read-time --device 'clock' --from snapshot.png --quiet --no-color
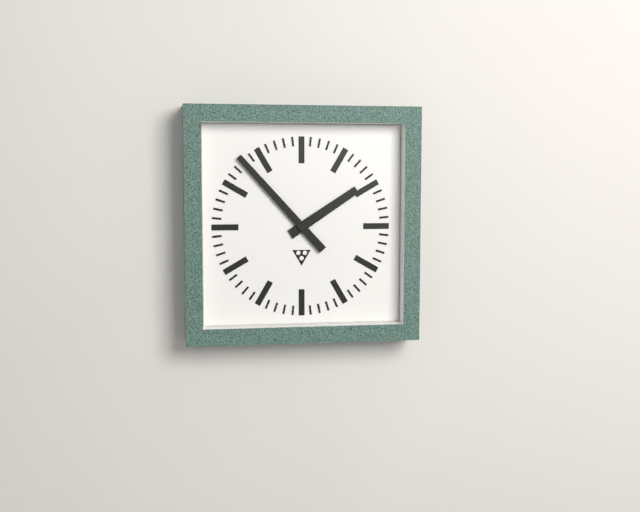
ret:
1:53
